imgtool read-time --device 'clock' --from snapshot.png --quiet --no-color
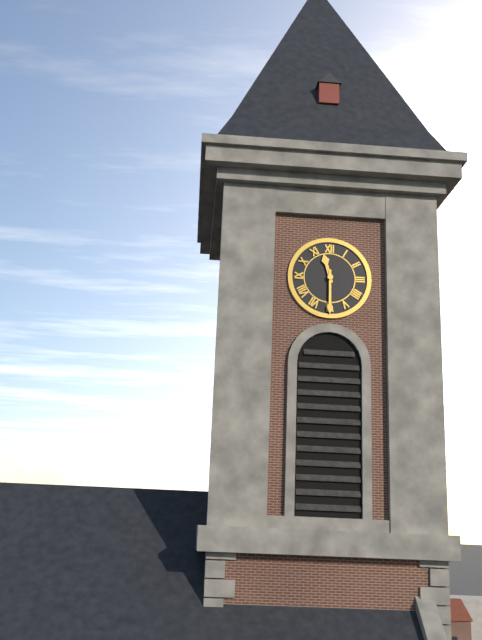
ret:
11:30
